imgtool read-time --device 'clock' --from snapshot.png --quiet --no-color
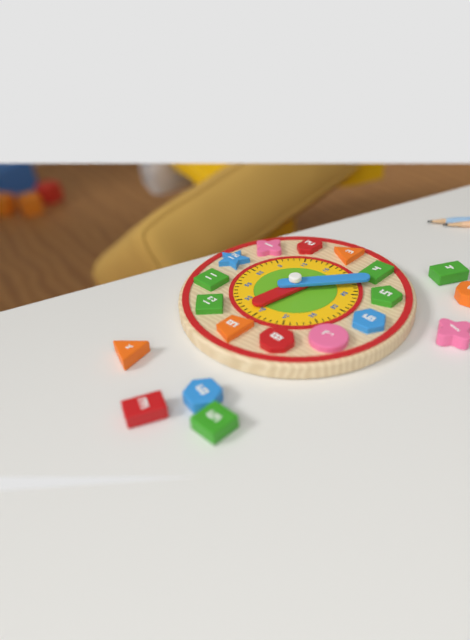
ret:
9:22
